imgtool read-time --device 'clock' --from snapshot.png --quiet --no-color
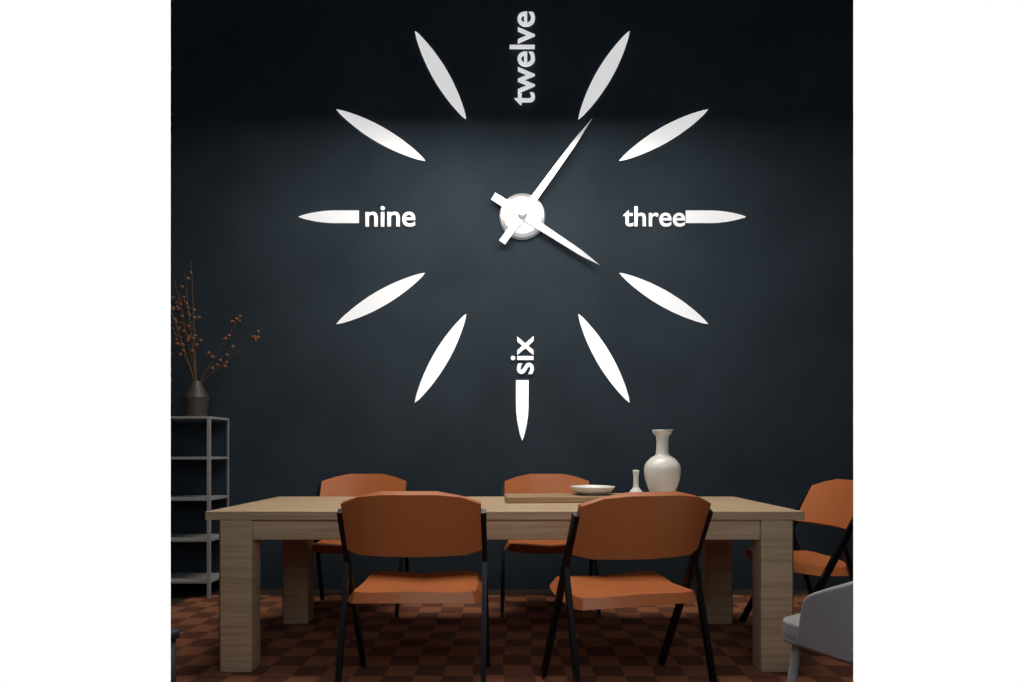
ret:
4:06
